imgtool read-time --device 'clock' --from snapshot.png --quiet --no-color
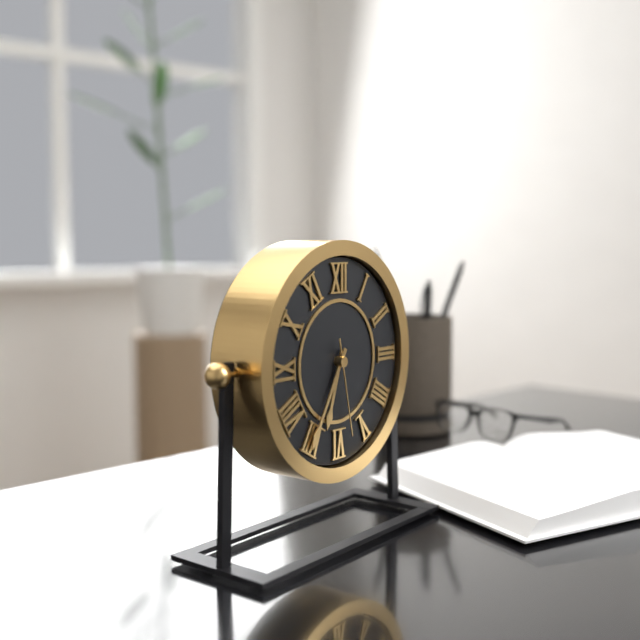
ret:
6:35:28
